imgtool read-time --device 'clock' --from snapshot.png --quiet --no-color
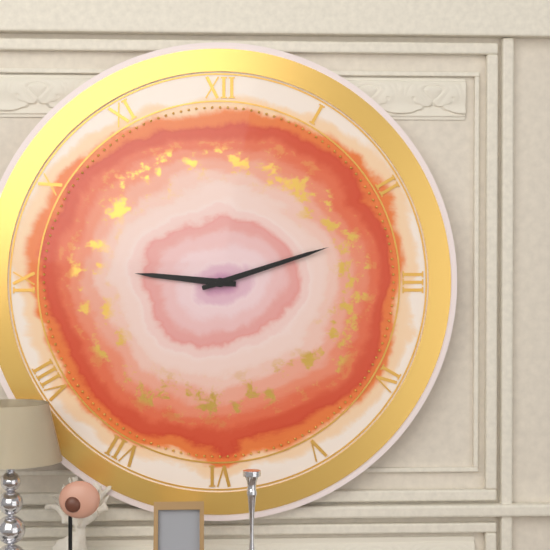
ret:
9:12
